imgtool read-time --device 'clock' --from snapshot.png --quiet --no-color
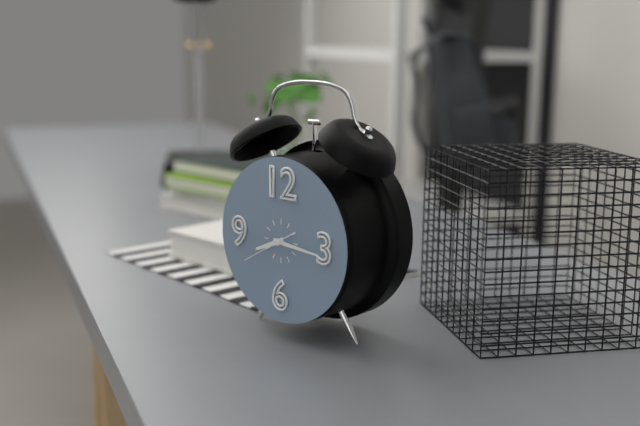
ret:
8:16
